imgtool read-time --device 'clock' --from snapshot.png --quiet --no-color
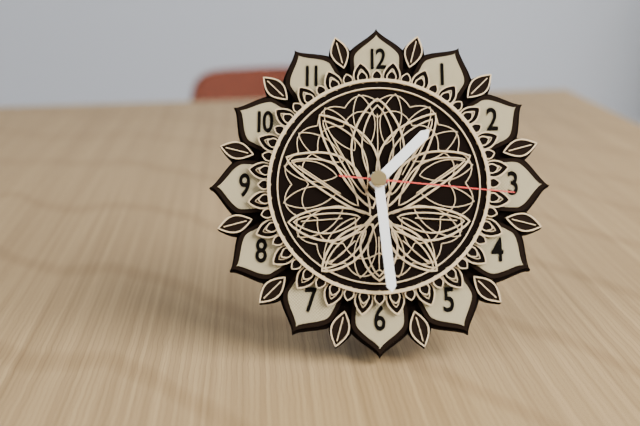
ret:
1:29:16
